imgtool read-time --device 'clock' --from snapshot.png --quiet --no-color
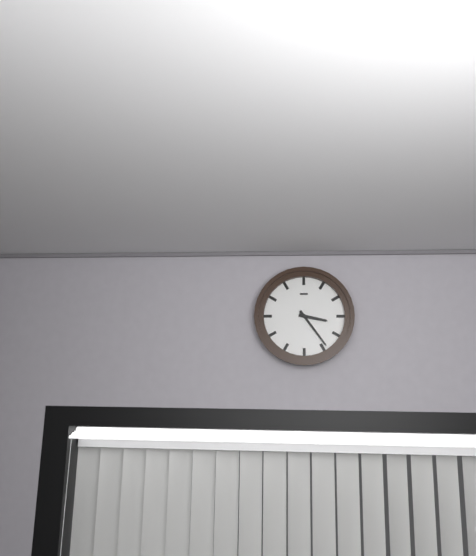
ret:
3:24
